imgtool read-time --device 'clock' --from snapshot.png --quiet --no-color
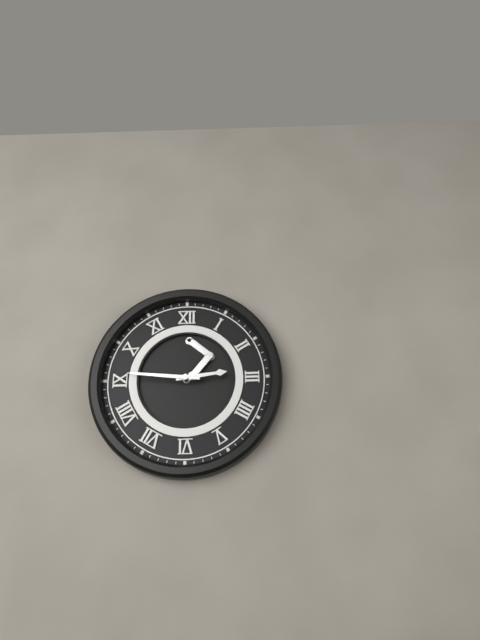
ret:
2:46
